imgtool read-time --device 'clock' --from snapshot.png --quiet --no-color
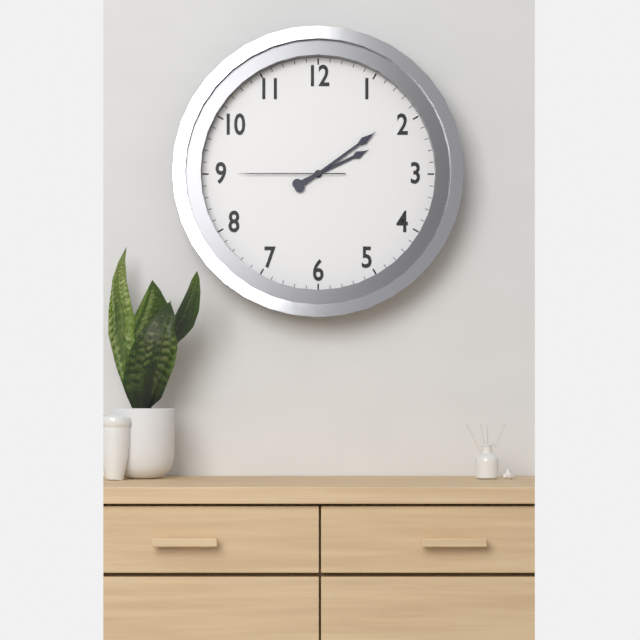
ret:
2:09:45
